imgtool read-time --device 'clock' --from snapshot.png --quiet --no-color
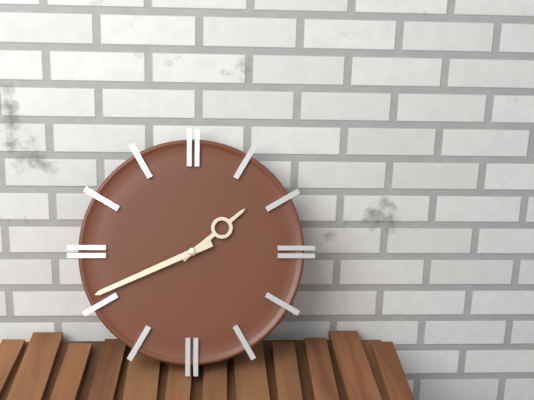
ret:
1:41
